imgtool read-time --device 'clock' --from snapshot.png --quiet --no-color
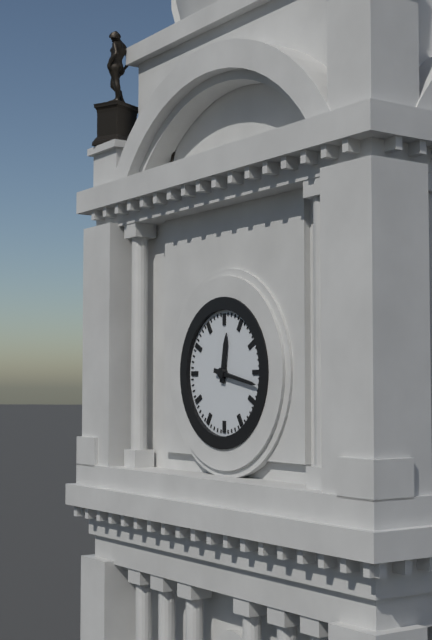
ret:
12:17
